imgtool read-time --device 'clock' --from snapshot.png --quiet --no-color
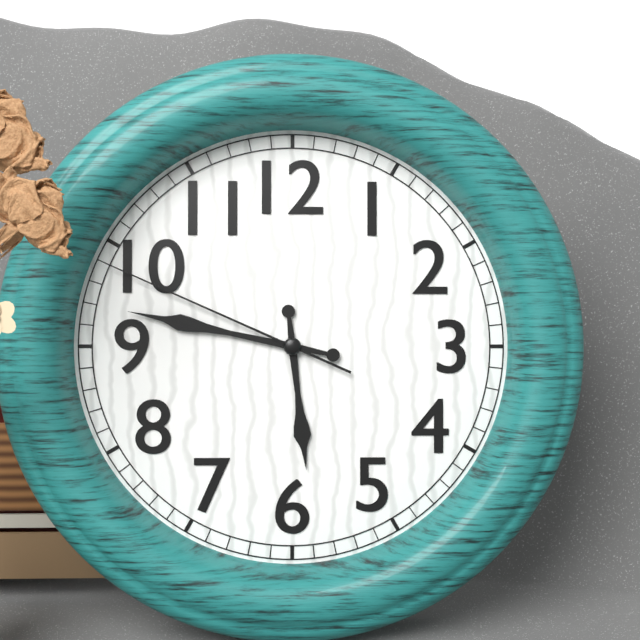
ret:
5:47:49
